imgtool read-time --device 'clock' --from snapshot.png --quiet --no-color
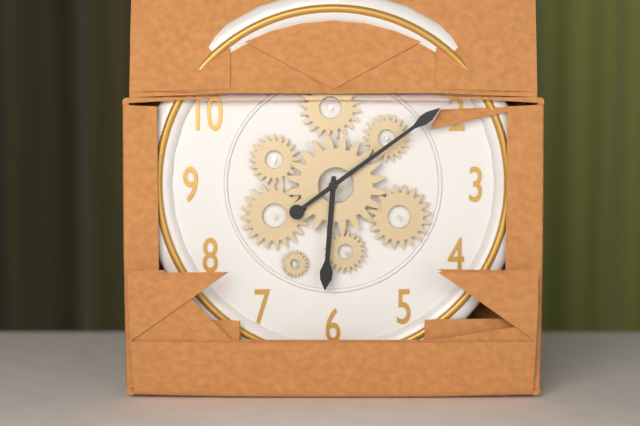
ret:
6:09
